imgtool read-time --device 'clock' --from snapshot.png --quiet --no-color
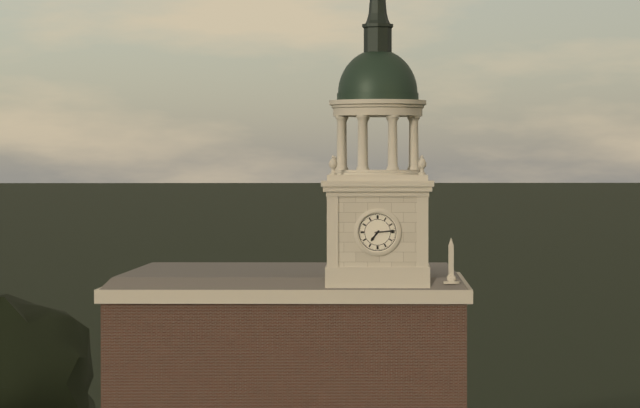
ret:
7:14
